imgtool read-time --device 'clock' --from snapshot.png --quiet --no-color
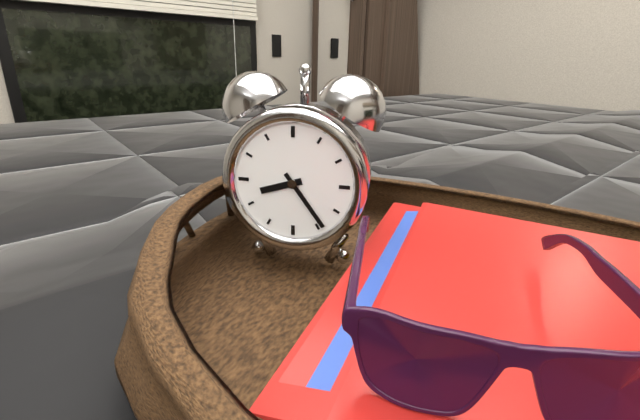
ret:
8:24
